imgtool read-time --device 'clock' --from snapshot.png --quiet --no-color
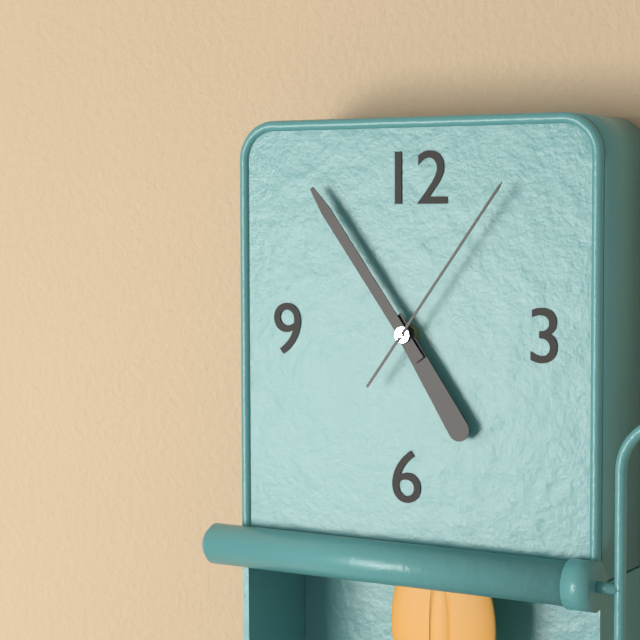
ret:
4:54:06
